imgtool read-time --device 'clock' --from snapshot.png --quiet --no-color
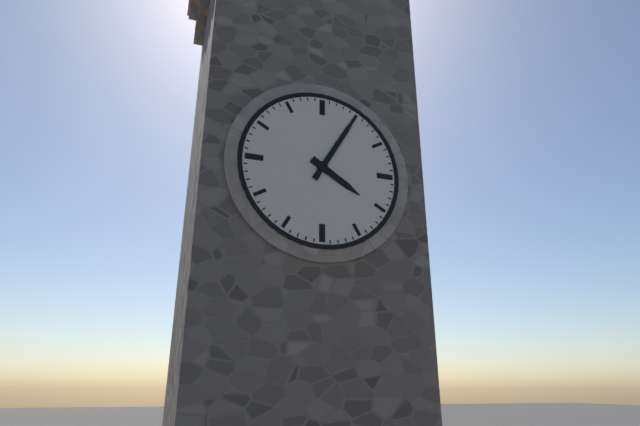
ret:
4:05
